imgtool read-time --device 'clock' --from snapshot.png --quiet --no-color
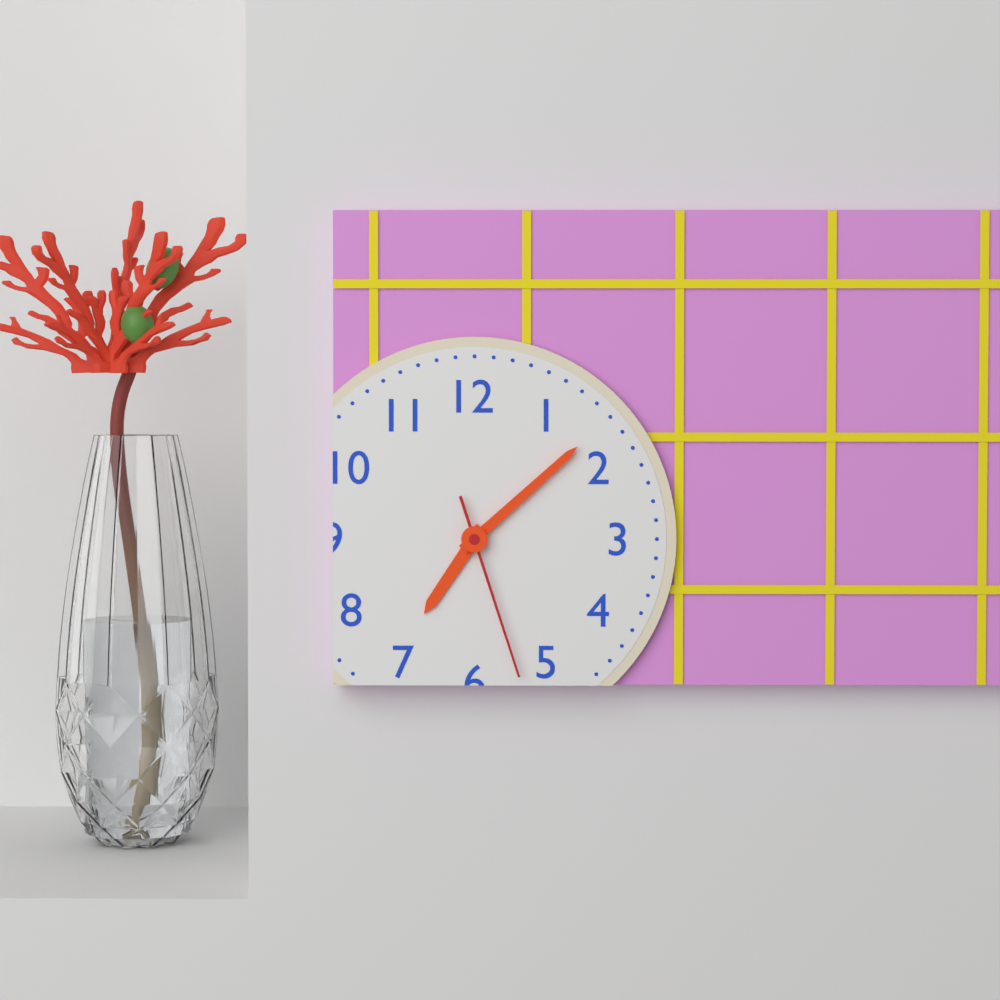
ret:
7:08:27
